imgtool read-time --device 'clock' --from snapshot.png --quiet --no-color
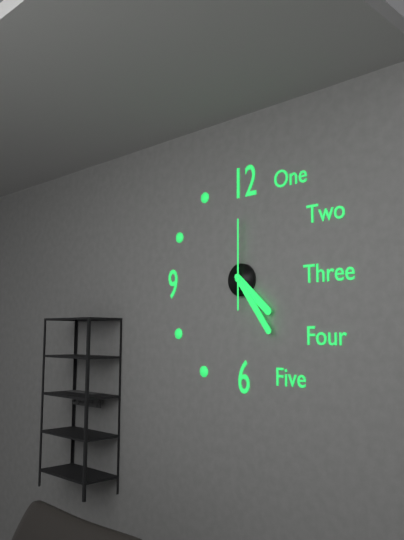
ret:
4:24:00
